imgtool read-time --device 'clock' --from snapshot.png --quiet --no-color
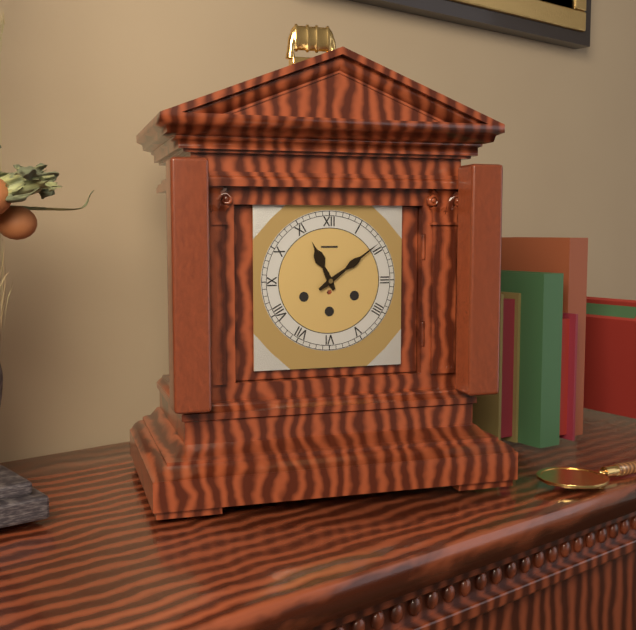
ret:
11:09
